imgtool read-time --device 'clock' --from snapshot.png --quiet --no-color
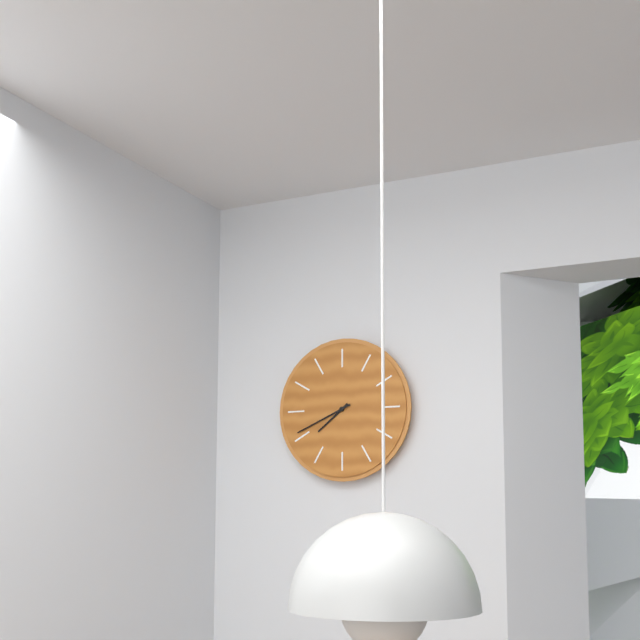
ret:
7:41
